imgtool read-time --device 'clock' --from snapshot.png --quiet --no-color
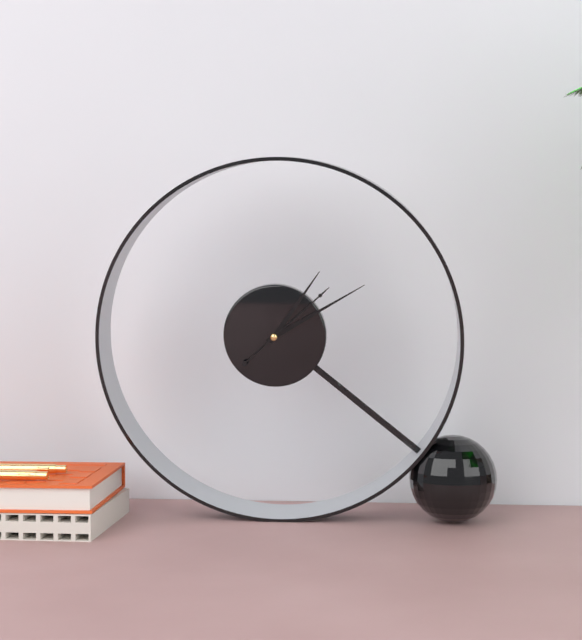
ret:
1:10:08
